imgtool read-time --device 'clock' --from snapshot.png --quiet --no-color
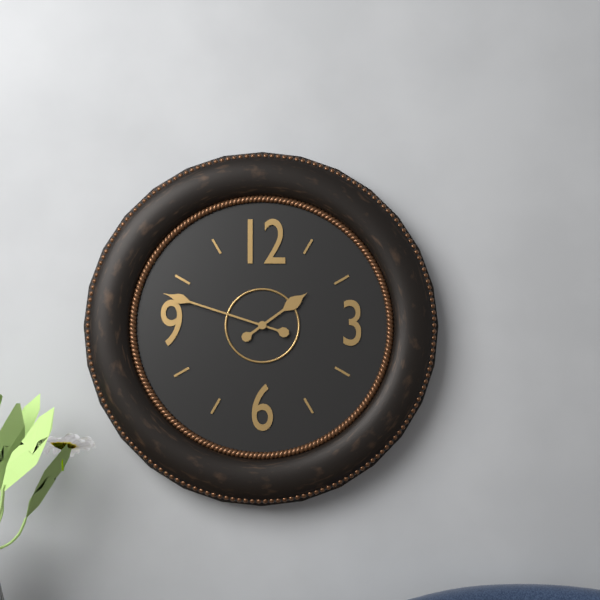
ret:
1:48
